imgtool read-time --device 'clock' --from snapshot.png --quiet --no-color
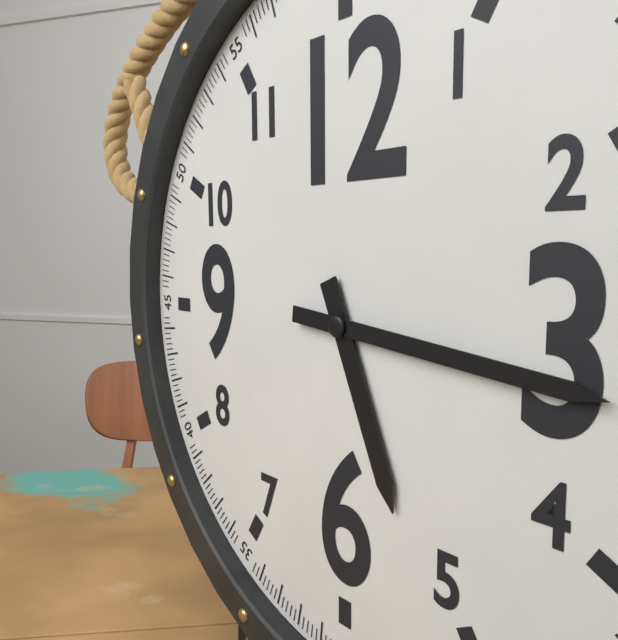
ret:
5:16
